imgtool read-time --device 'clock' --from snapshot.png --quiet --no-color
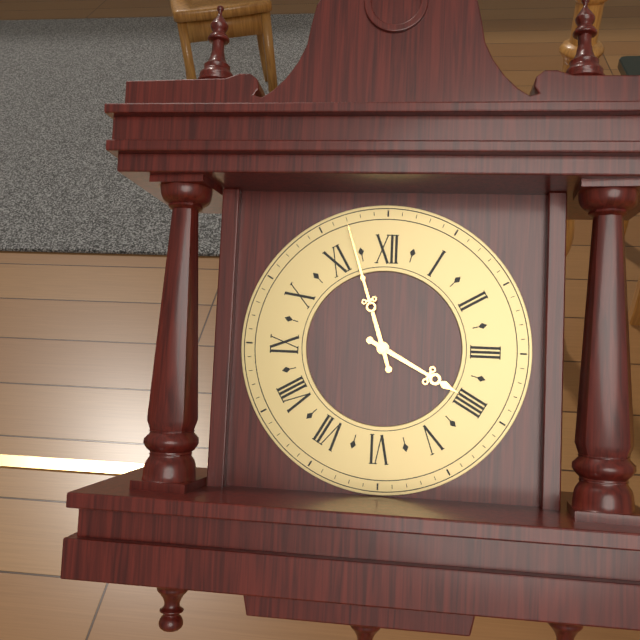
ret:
3:57
